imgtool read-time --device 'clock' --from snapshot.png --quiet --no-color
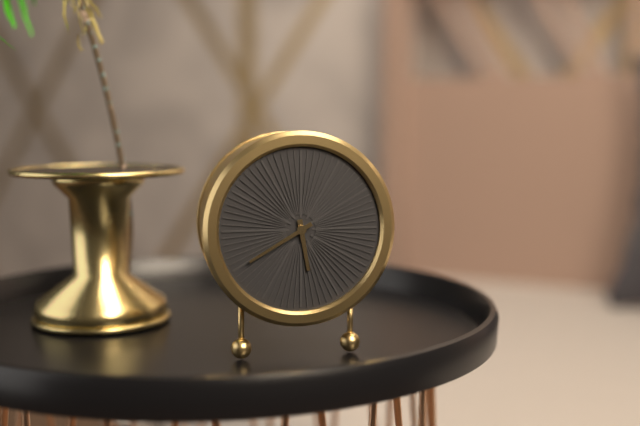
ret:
5:40
